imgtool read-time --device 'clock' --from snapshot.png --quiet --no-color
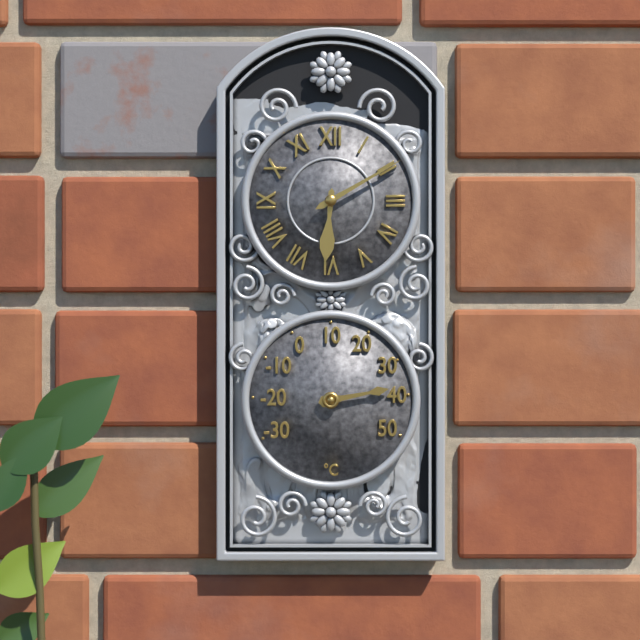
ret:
6:10
